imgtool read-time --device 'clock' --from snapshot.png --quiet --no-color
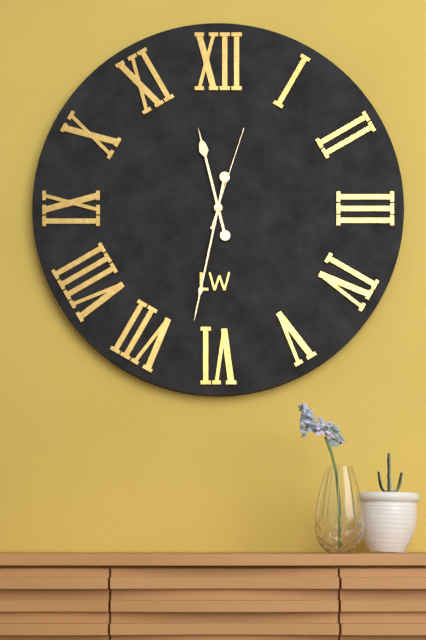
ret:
11:32:03
